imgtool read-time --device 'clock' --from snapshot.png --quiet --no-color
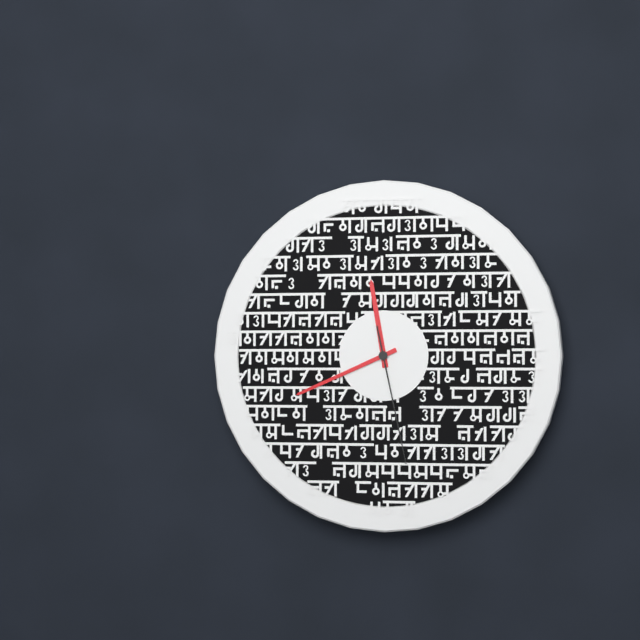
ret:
11:41:28
